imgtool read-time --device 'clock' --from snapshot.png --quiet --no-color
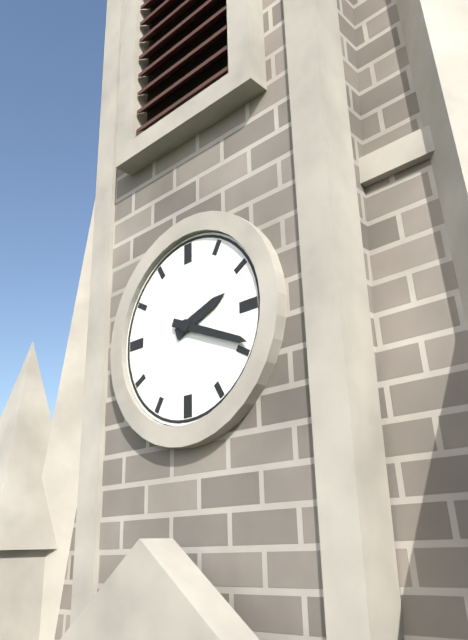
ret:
2:19
